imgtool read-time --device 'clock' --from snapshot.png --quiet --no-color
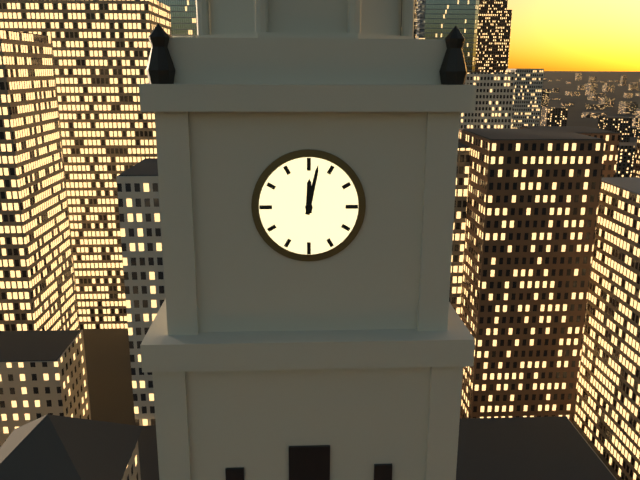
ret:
12:02
